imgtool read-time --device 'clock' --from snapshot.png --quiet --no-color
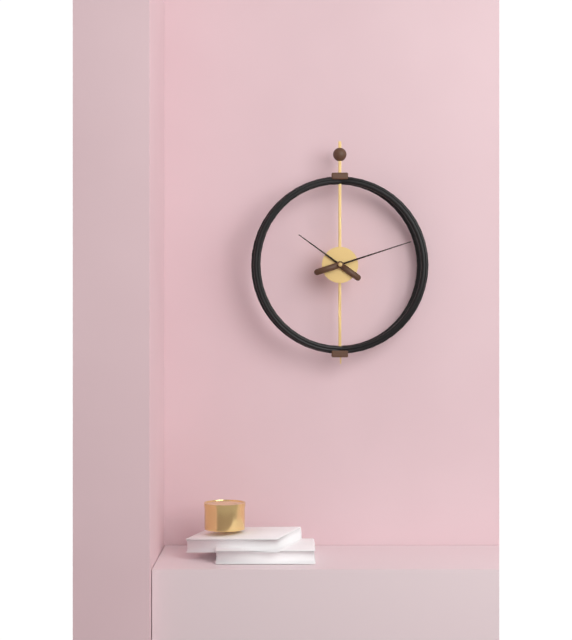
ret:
10:12
